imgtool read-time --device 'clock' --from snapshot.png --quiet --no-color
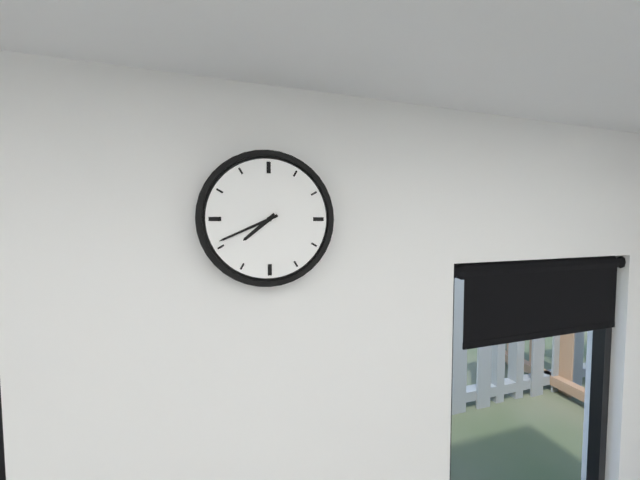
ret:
7:41
